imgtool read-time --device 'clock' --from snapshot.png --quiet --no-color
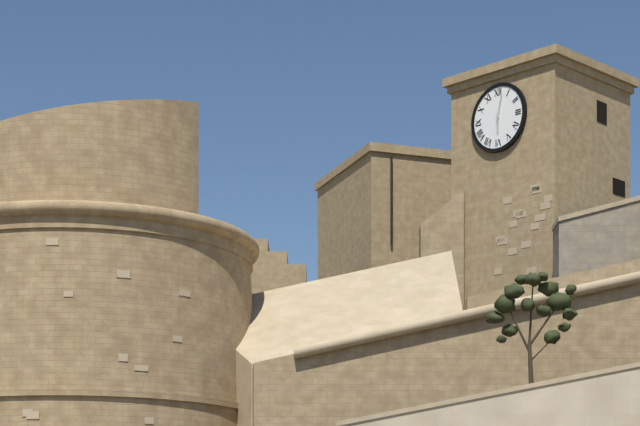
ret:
6:02
